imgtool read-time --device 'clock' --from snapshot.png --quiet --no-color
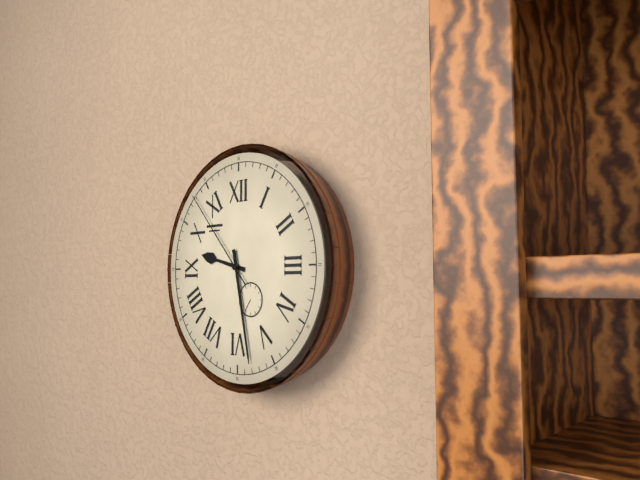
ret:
9:28:53
